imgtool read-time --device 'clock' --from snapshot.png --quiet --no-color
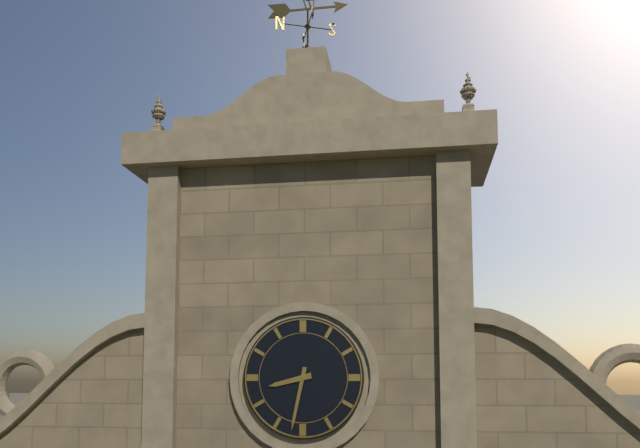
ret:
8:32
